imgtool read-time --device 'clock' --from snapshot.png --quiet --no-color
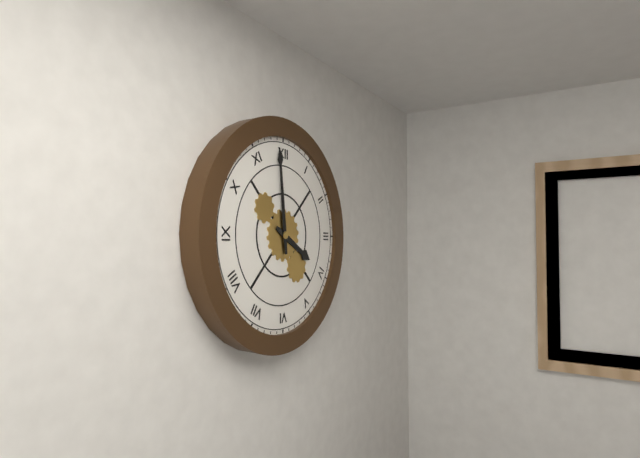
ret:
3:59
